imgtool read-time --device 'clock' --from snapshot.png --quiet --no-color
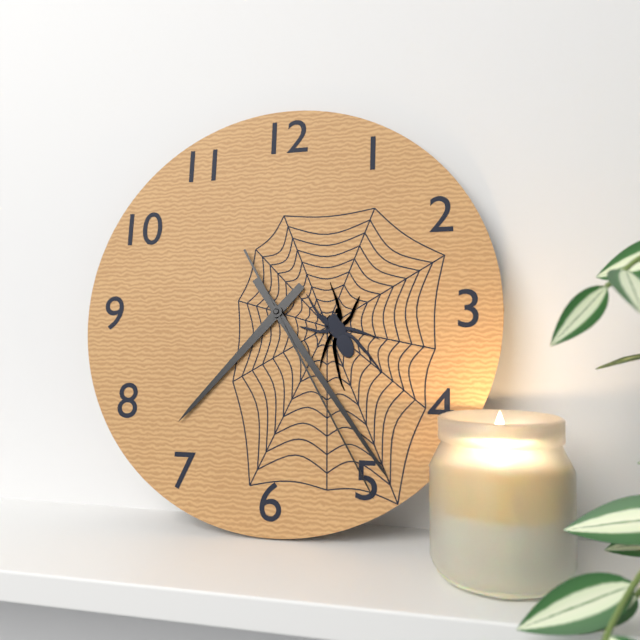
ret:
7:24:25
